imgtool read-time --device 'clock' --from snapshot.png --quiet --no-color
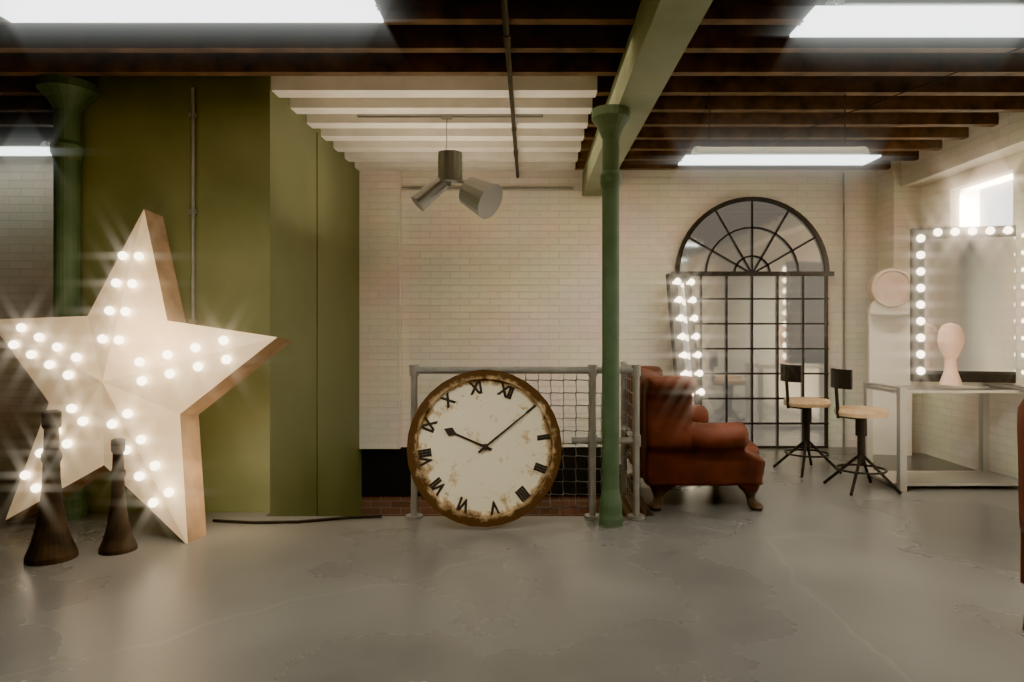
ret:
9:05
